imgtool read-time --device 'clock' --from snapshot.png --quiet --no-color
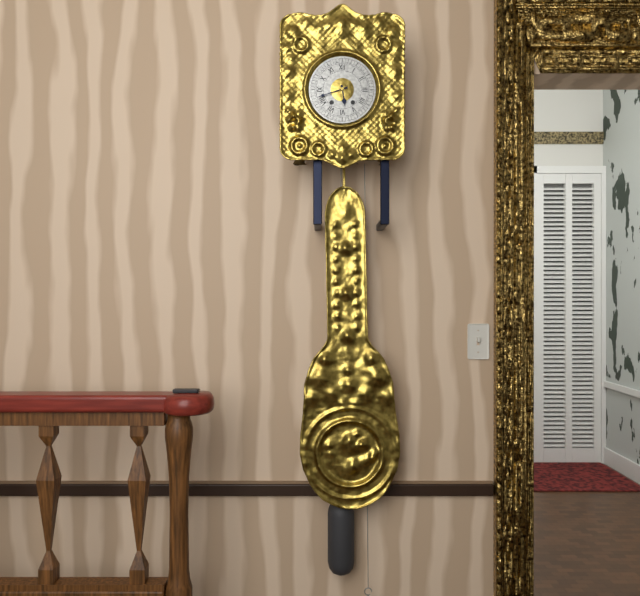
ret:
5:42
